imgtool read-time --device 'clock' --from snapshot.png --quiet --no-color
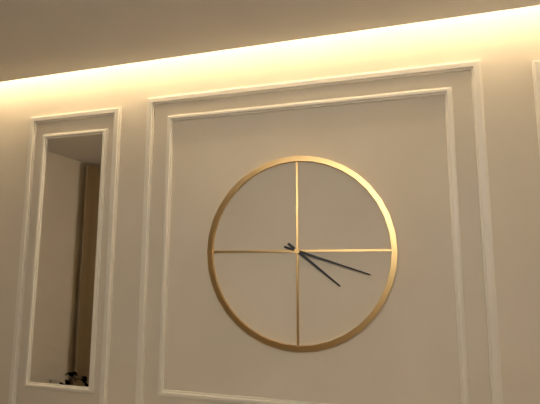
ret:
4:18
